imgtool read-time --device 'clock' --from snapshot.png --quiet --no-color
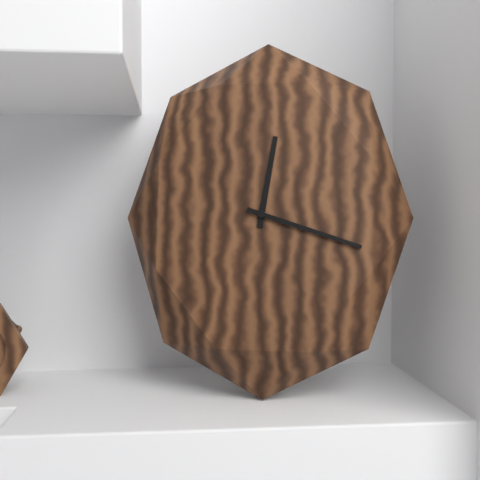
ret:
12:18
